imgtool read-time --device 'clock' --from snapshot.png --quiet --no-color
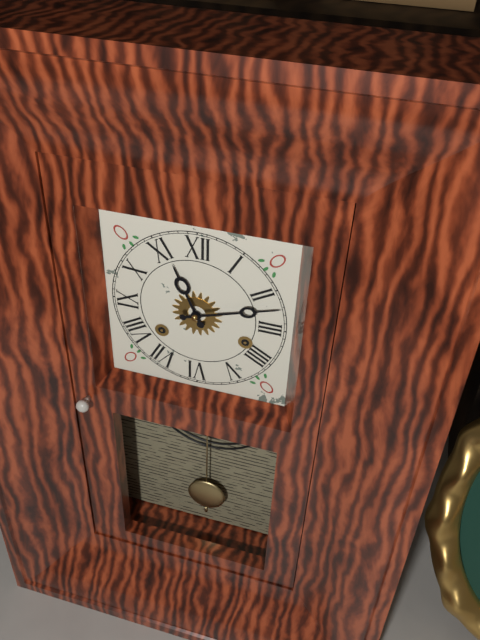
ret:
11:12
